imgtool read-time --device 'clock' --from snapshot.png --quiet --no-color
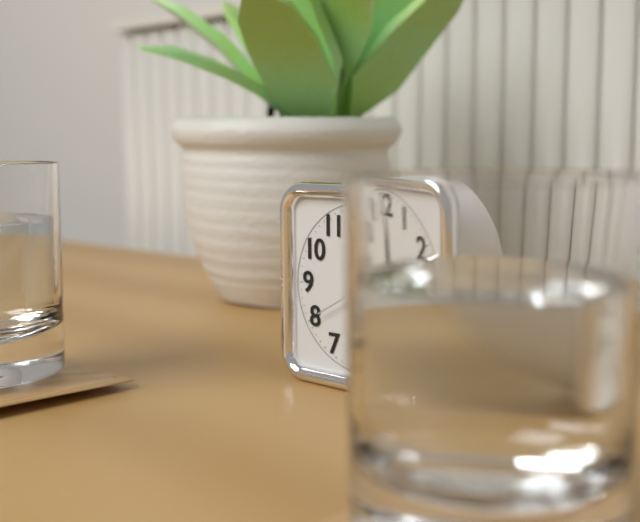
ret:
12:00:40
